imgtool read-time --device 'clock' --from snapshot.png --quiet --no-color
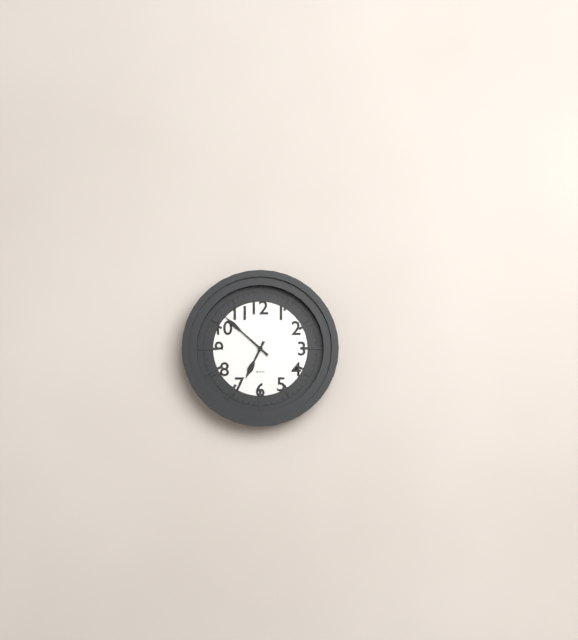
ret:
6:52
